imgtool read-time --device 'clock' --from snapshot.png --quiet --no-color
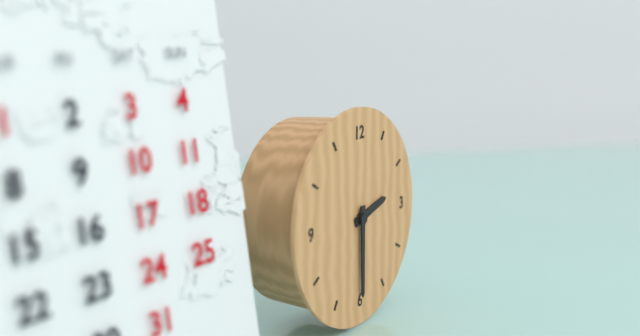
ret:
2:30
